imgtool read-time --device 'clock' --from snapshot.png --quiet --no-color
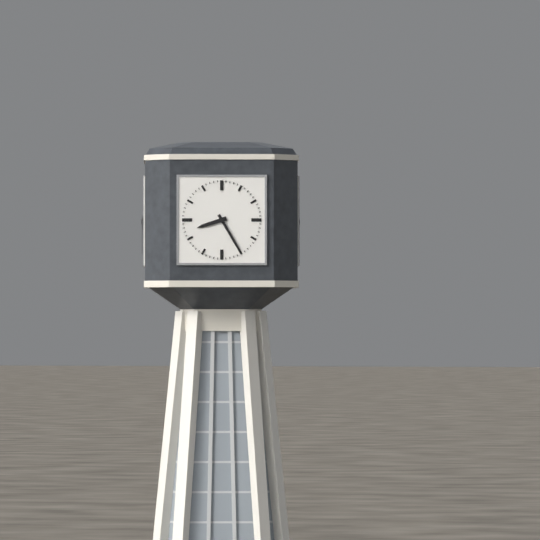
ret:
8:25
